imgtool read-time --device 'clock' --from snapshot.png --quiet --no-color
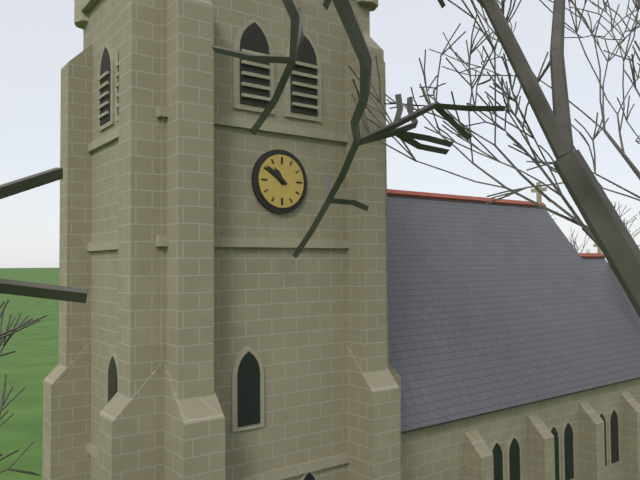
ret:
10:51
